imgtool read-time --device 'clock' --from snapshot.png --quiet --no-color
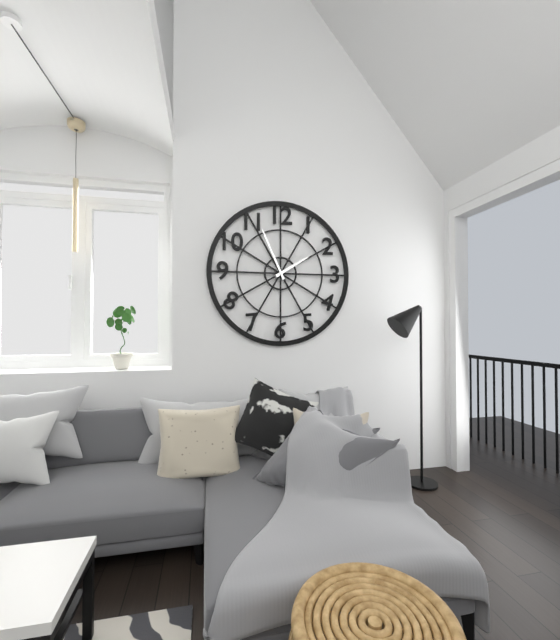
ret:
1:56
